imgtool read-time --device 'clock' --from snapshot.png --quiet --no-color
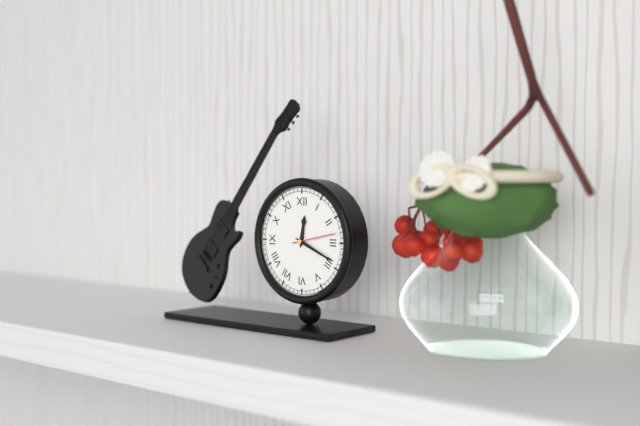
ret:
12:19
